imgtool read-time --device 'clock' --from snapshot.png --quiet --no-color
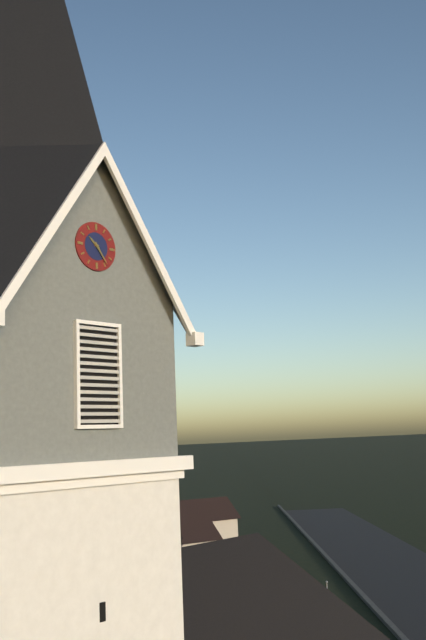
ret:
10:24
